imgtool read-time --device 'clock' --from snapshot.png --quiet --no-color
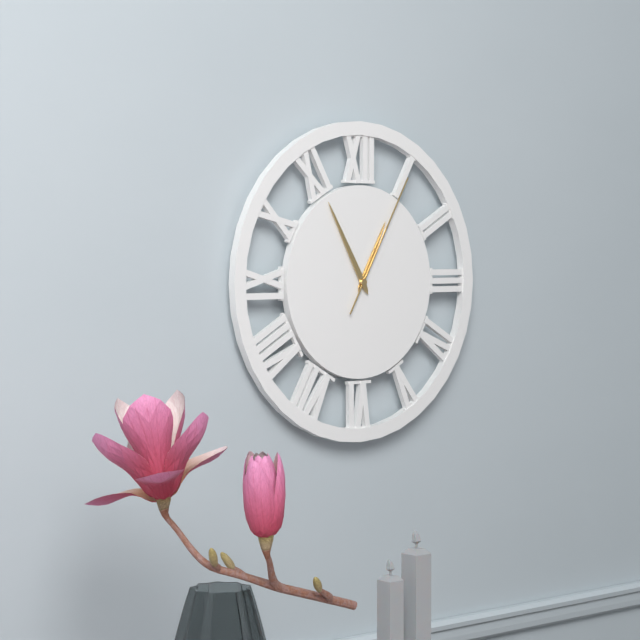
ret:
12:55:05
